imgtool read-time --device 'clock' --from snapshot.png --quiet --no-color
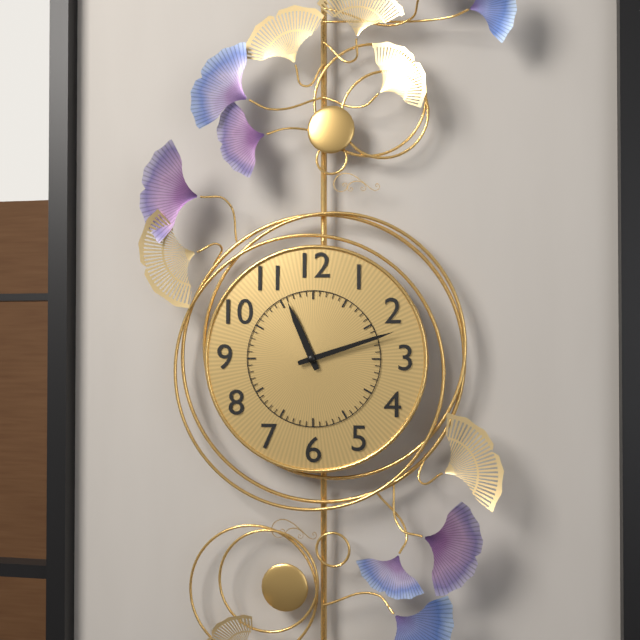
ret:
11:12
